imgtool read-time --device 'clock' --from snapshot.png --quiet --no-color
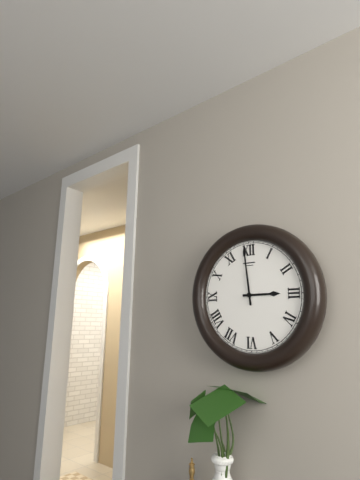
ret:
2:59
